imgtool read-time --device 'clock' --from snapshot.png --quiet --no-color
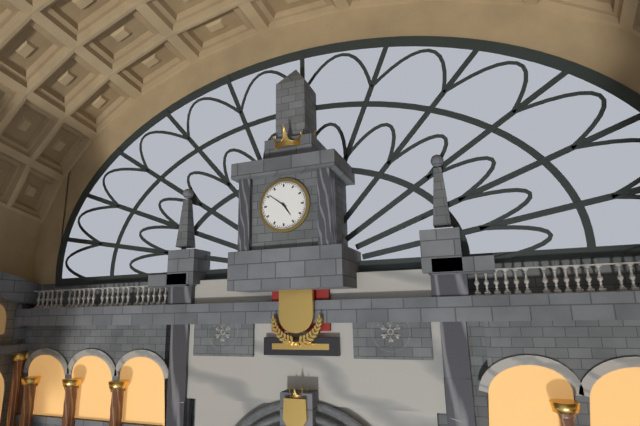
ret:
4:51
